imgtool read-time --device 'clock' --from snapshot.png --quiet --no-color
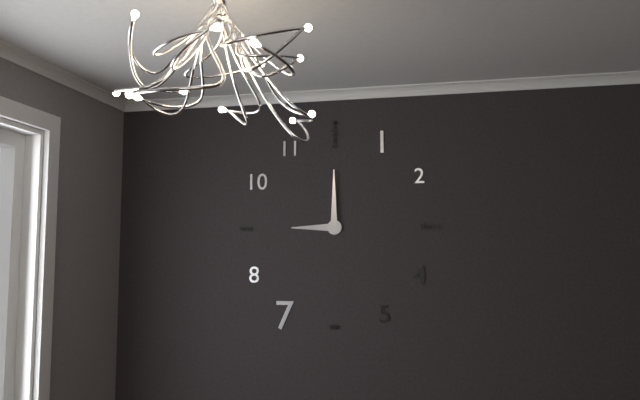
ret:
9:00
